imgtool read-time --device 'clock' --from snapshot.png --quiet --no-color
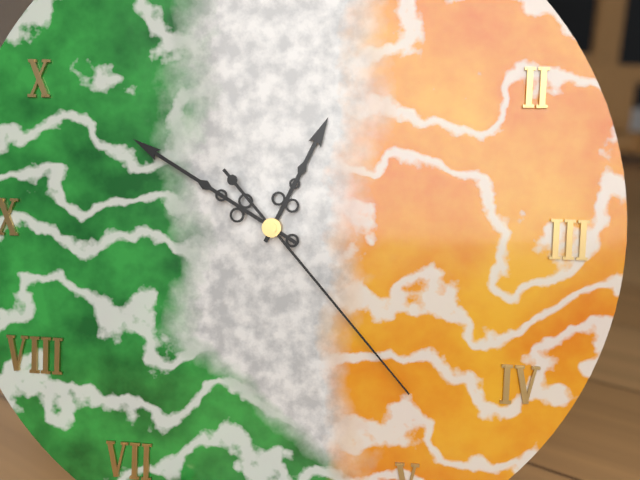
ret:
12:50:23
